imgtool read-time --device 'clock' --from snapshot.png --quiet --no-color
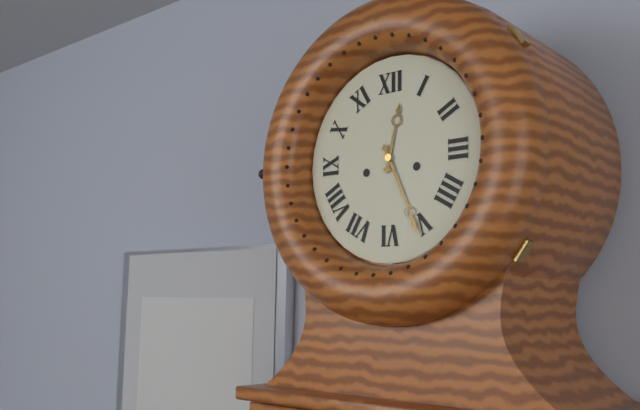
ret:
12:26
